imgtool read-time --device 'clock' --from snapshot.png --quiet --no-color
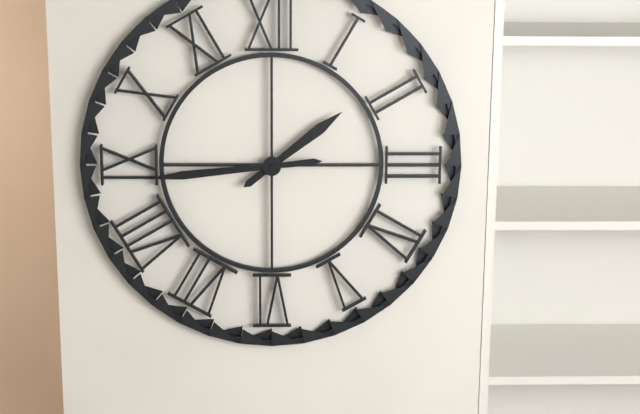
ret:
1:44
